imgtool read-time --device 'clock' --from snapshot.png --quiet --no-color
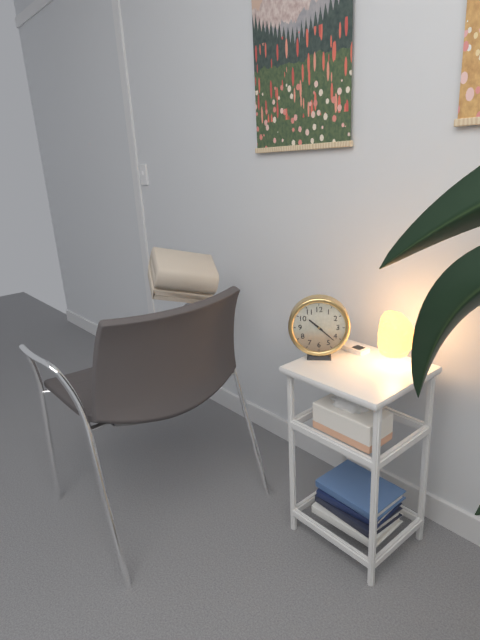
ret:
10:22
